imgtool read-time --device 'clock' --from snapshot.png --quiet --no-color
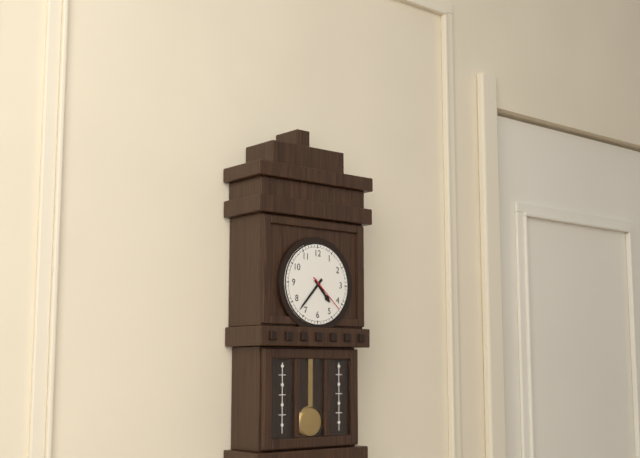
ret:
4:37
